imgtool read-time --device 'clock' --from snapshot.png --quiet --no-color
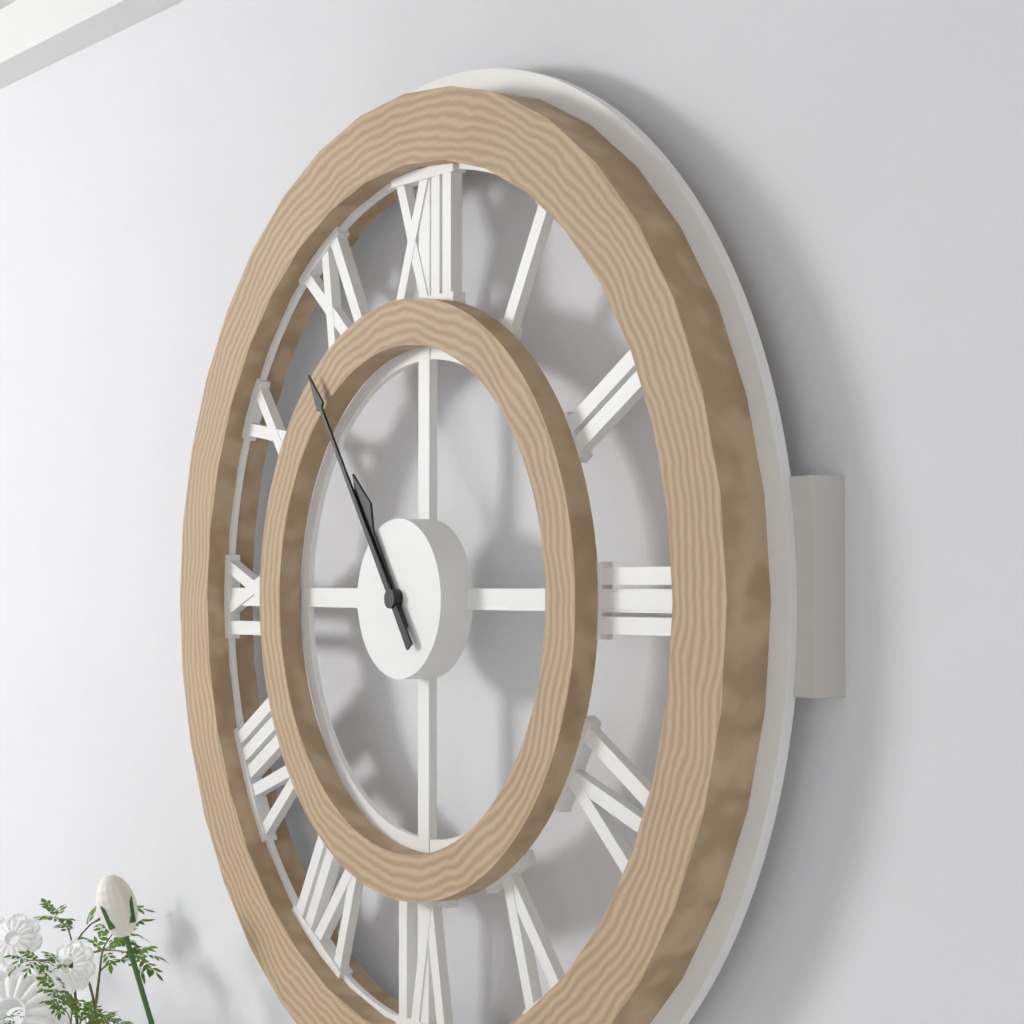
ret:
10:54
